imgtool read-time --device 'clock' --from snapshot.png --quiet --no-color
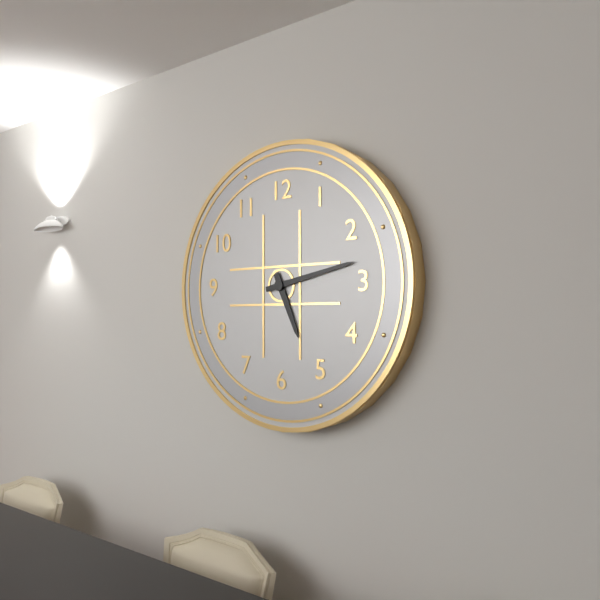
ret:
5:13
